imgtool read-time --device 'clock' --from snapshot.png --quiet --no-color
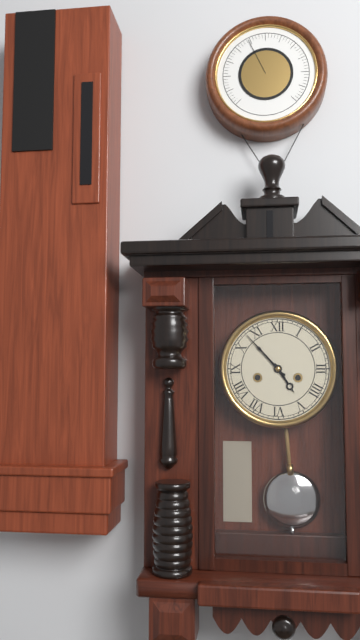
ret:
4:53
